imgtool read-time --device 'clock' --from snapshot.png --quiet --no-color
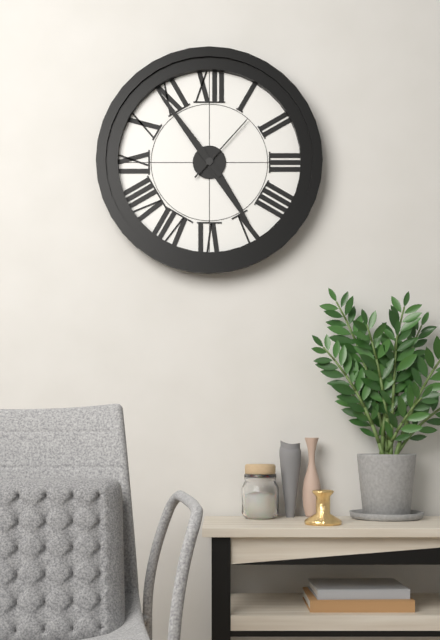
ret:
4:54:07
